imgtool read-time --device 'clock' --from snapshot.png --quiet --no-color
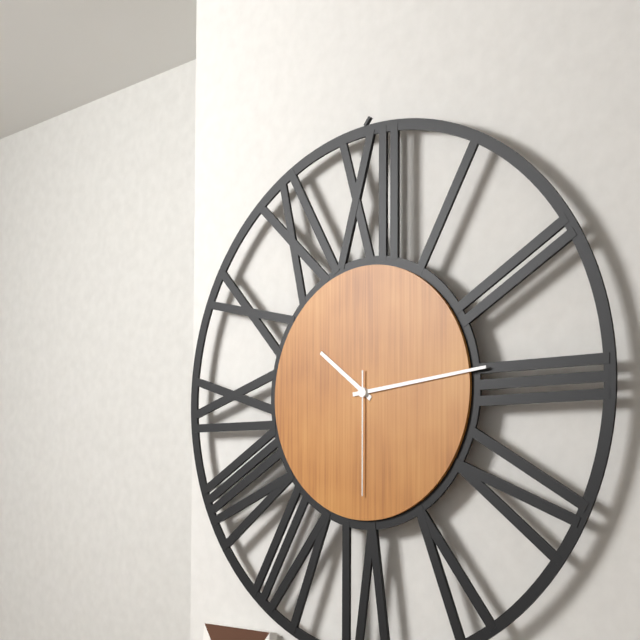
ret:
10:14:30
